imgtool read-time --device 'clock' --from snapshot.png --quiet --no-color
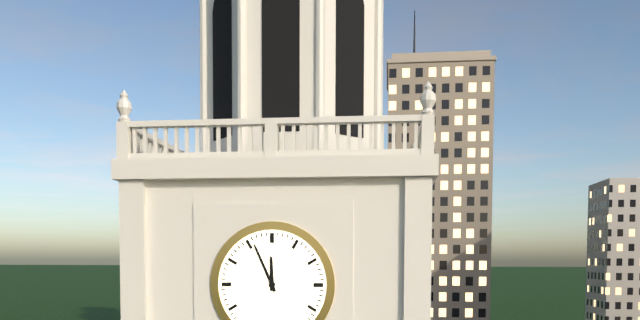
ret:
11:56
